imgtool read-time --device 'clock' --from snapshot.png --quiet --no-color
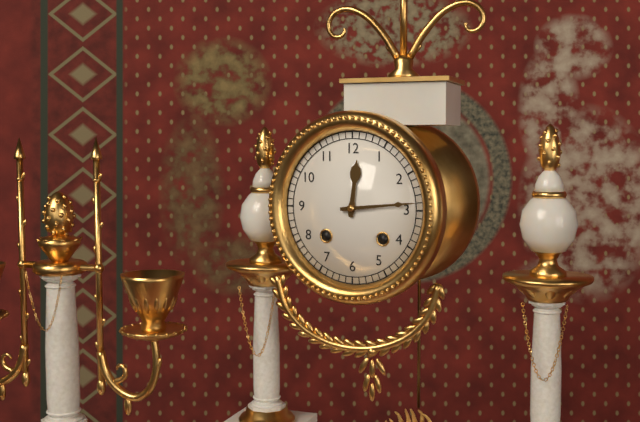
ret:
12:14
